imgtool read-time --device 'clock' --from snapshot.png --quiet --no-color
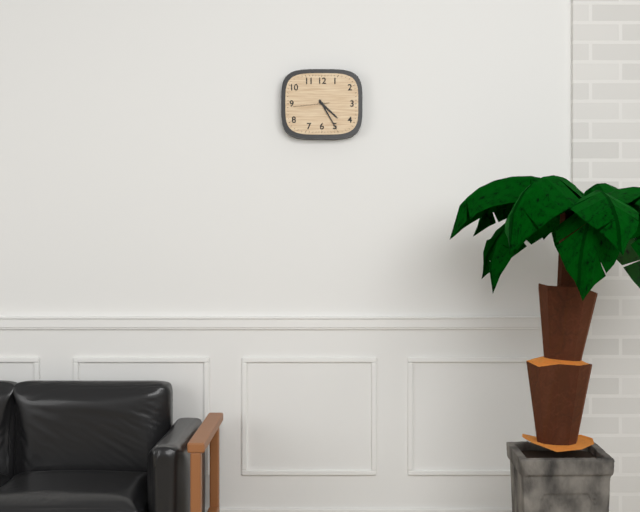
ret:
4:25
